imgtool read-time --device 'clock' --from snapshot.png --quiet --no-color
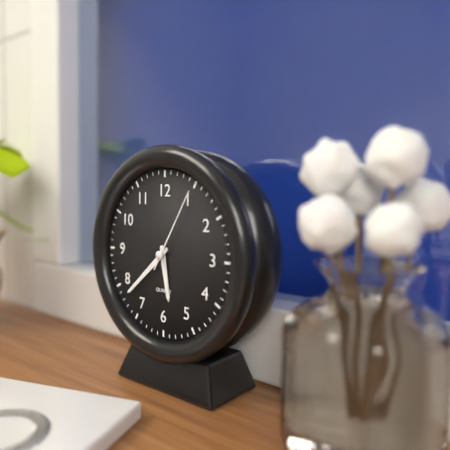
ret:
5:38:05
